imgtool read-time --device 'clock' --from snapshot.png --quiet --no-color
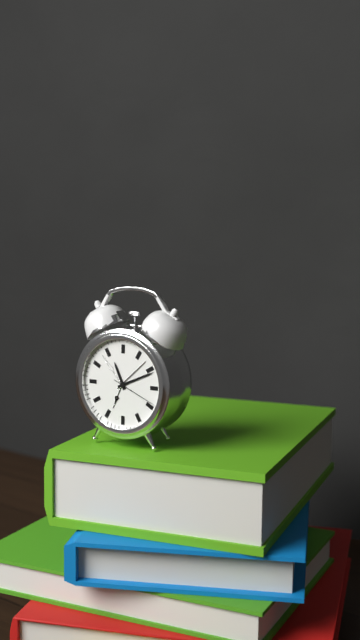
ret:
11:11
